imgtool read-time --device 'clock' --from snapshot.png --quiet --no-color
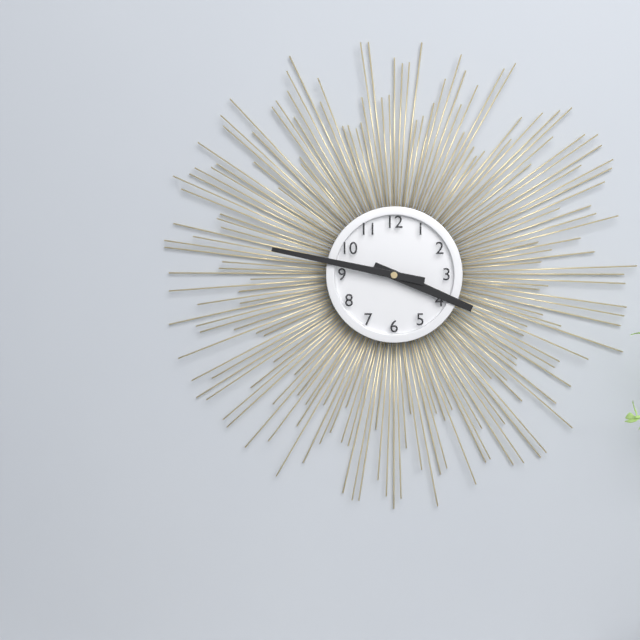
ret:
3:47
